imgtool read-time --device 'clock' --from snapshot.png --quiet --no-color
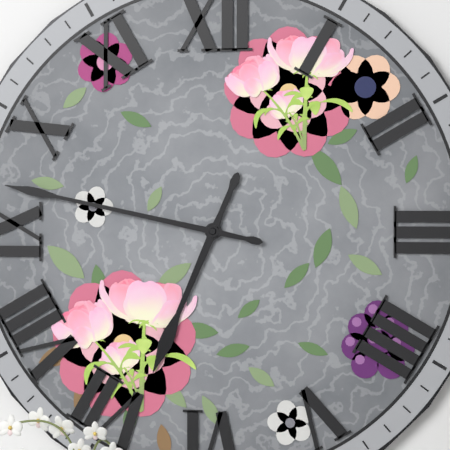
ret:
6:47
